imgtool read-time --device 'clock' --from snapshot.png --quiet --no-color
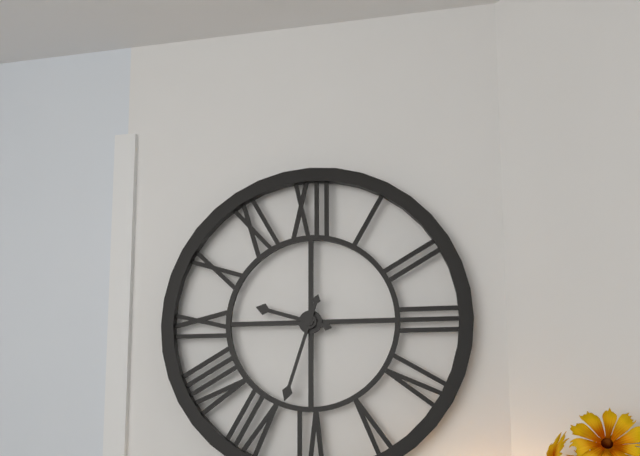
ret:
9:33
